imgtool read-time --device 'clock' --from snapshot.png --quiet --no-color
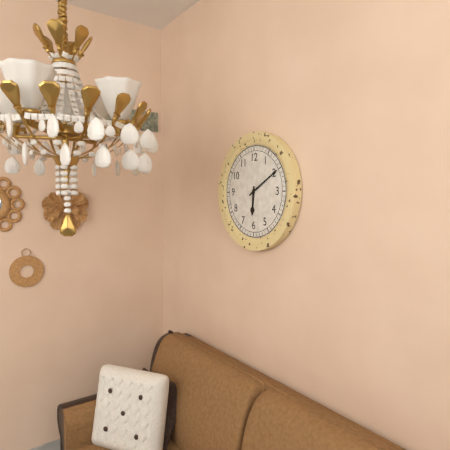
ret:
6:10
